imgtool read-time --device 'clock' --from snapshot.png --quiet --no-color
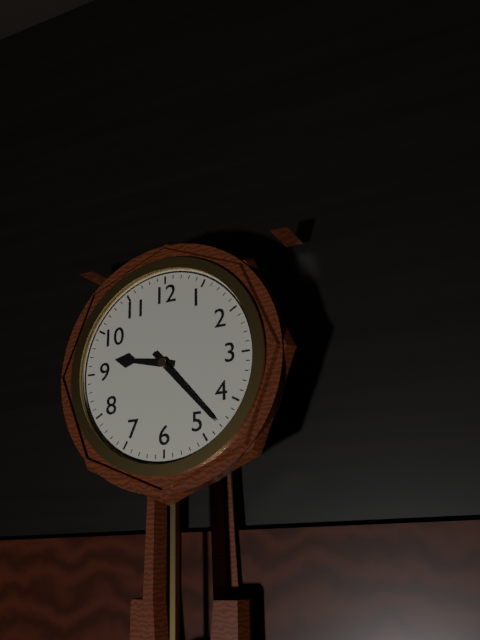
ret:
9:23
